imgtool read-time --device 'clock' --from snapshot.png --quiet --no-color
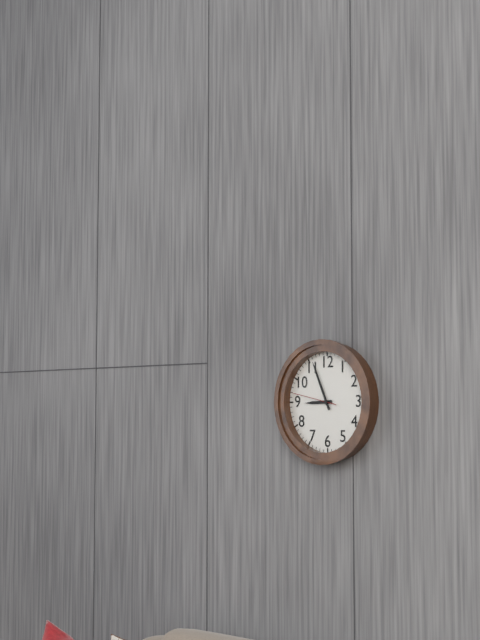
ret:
8:56
